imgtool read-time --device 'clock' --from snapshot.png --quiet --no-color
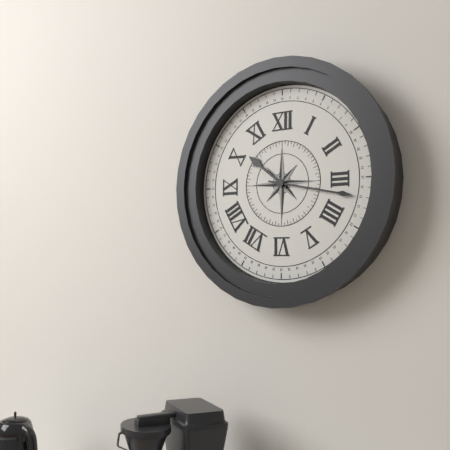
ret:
10:17
